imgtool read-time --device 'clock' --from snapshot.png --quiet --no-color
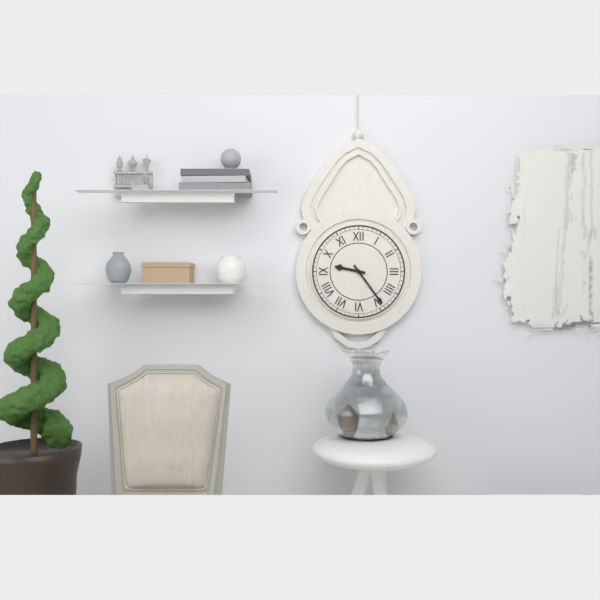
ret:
9:24
